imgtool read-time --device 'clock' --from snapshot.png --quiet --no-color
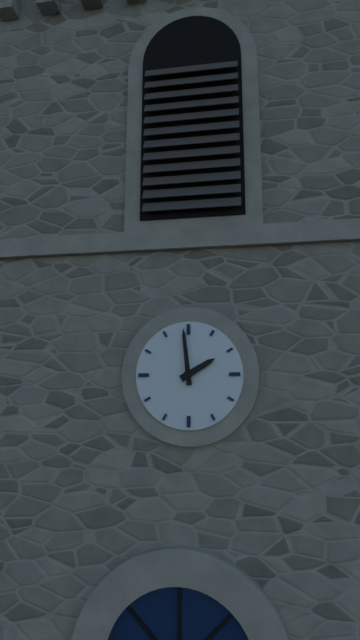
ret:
1:59
